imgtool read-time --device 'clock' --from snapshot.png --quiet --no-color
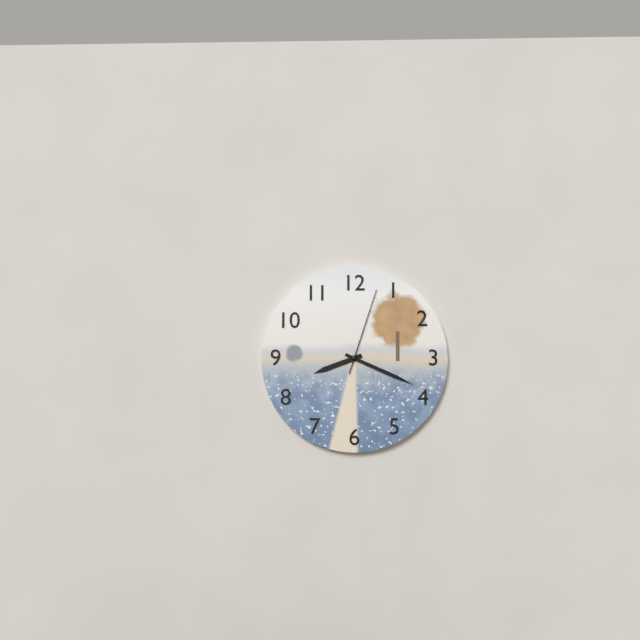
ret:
8:19:03
